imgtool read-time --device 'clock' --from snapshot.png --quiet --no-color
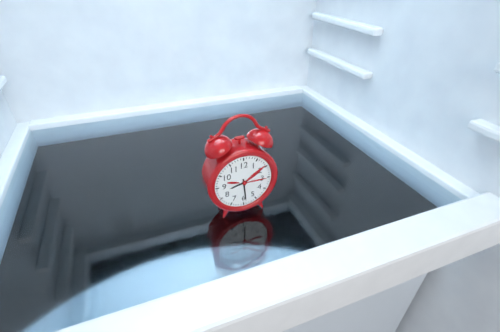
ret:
8:29
